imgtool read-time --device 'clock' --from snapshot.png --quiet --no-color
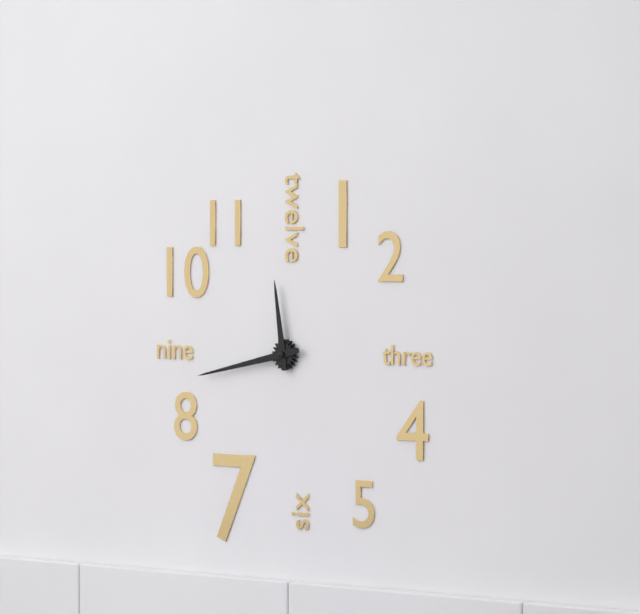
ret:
11:43
